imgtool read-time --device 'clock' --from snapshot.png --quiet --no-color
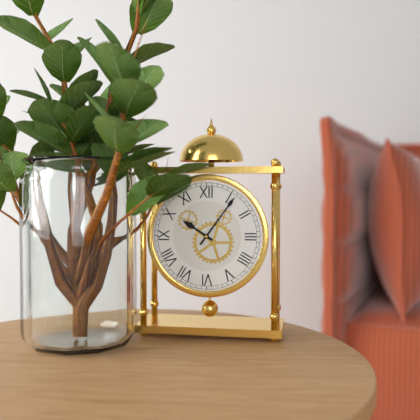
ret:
10:06
